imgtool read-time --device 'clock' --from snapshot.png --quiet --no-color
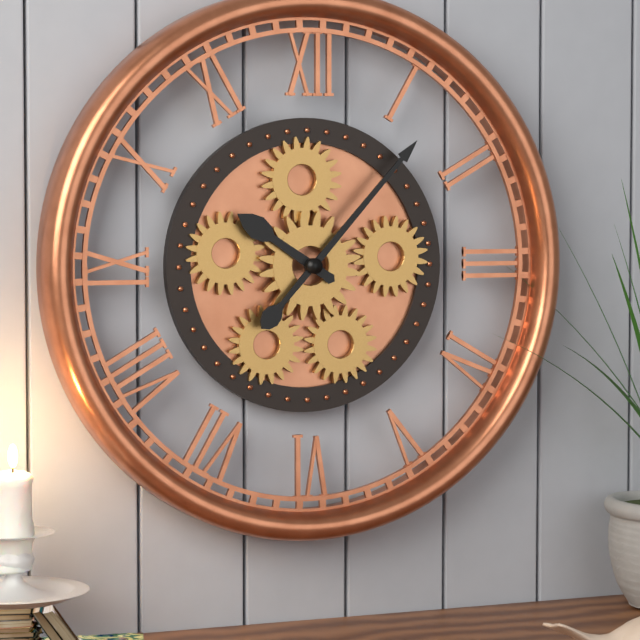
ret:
10:07
